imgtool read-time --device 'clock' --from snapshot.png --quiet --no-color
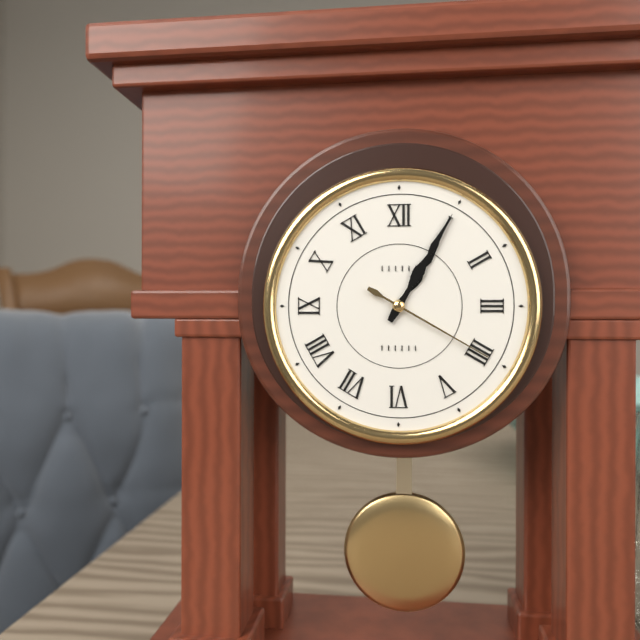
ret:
1:05:20
